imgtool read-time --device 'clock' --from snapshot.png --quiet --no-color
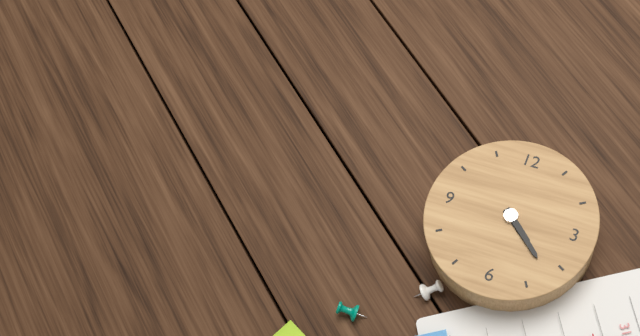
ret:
4:22
